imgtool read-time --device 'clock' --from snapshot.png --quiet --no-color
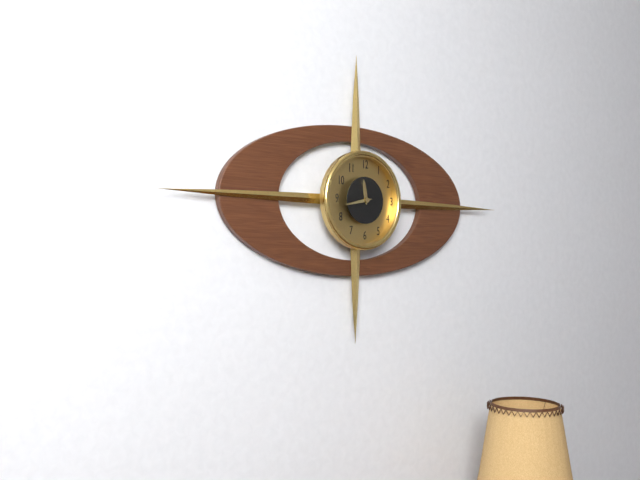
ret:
11:43
